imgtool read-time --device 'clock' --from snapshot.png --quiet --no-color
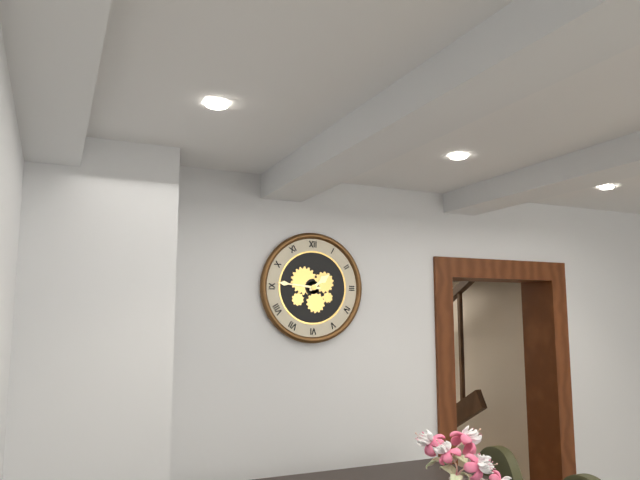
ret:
1:46
